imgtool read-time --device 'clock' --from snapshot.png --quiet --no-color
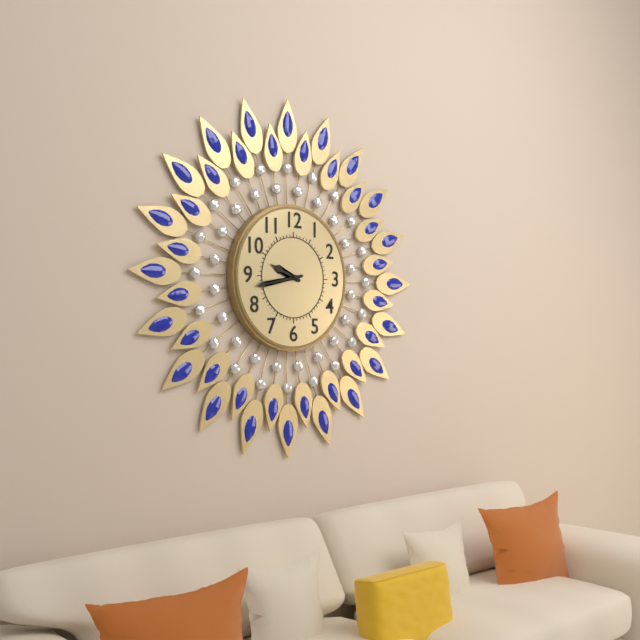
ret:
9:43
